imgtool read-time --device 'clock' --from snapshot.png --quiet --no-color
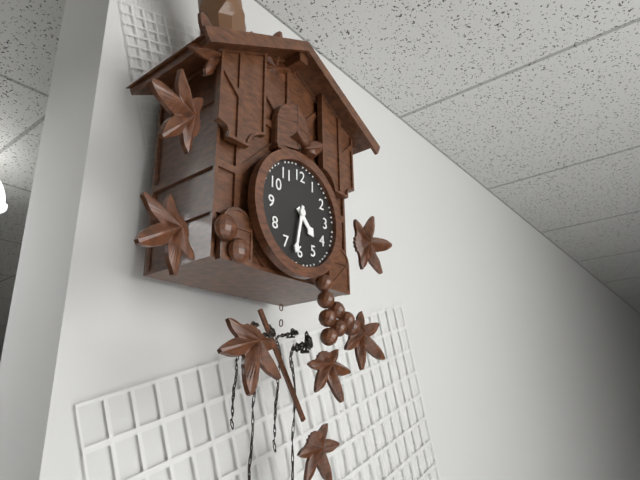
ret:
4:32
